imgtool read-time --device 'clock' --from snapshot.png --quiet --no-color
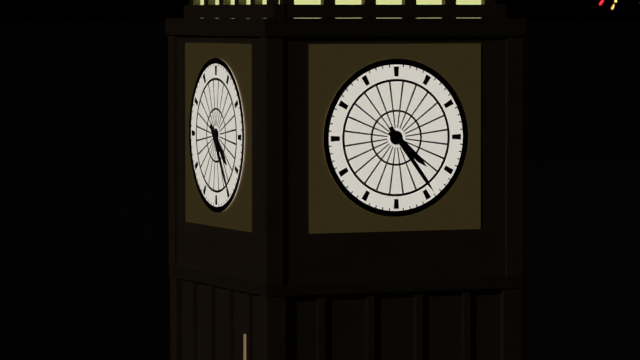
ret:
4:24
